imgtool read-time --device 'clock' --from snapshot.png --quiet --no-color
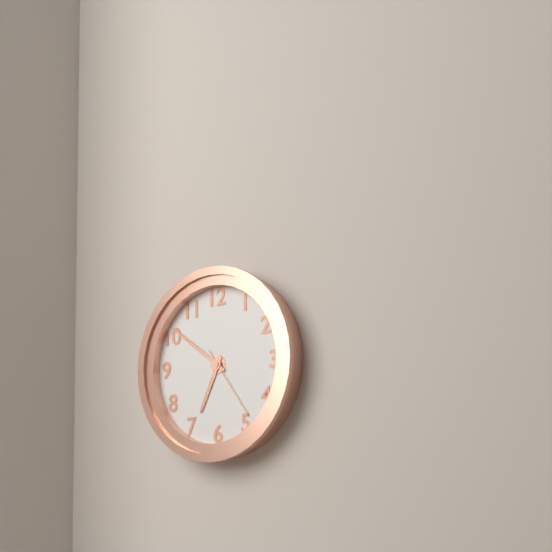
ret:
6:51:24
